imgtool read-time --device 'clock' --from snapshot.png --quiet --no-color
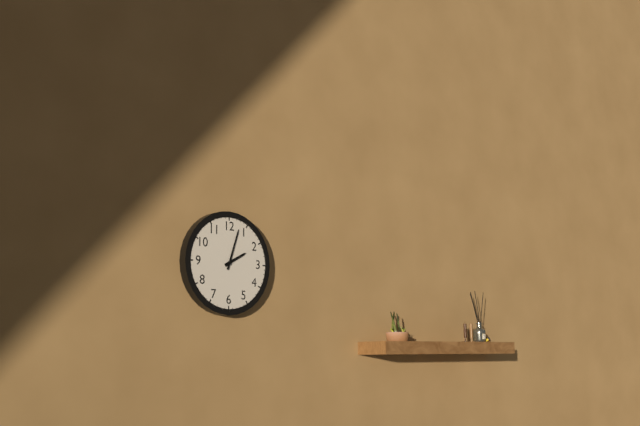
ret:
2:03
